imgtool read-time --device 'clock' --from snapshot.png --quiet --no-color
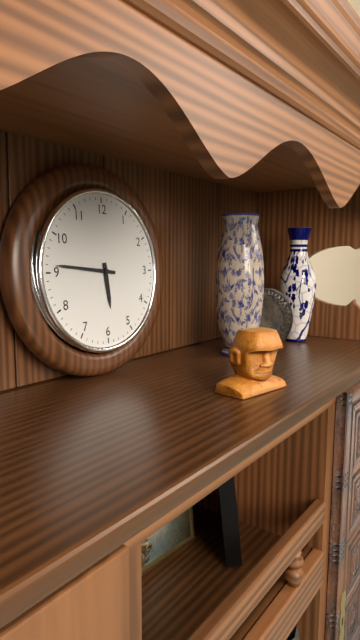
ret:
5:46
